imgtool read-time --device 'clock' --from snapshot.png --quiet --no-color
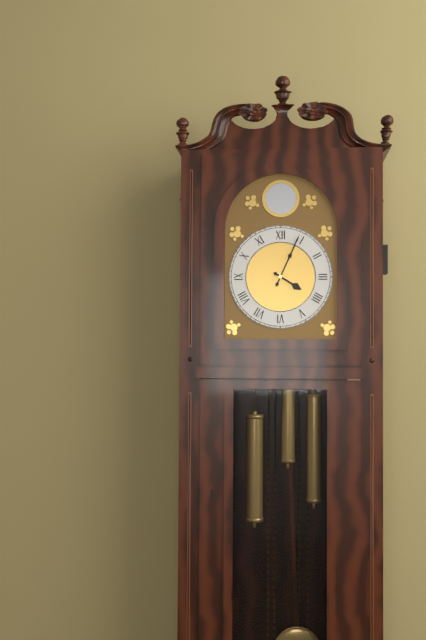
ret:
4:04
